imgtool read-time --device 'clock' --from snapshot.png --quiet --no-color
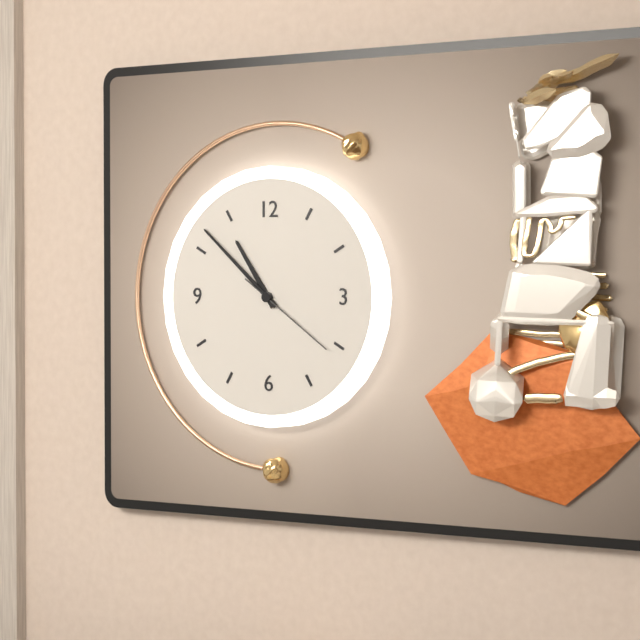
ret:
10:52:21
